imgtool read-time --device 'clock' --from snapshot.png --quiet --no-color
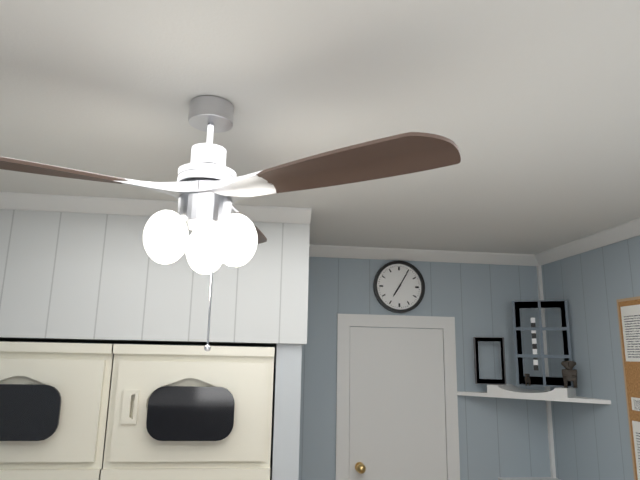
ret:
7:05
